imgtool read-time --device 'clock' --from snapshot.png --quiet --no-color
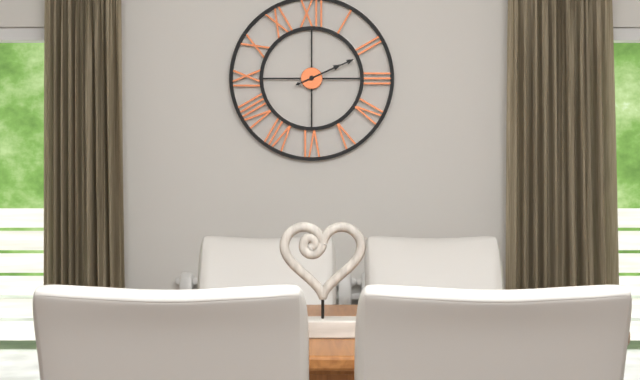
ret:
2:11
